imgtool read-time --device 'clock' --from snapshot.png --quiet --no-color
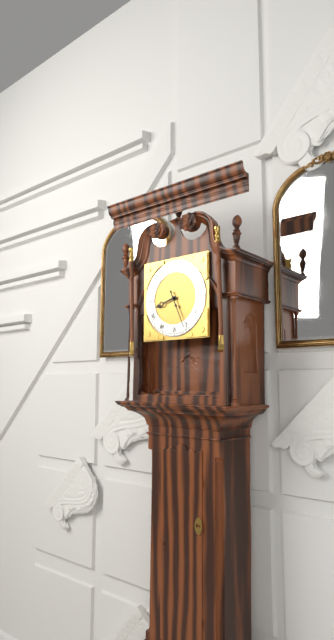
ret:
8:26
